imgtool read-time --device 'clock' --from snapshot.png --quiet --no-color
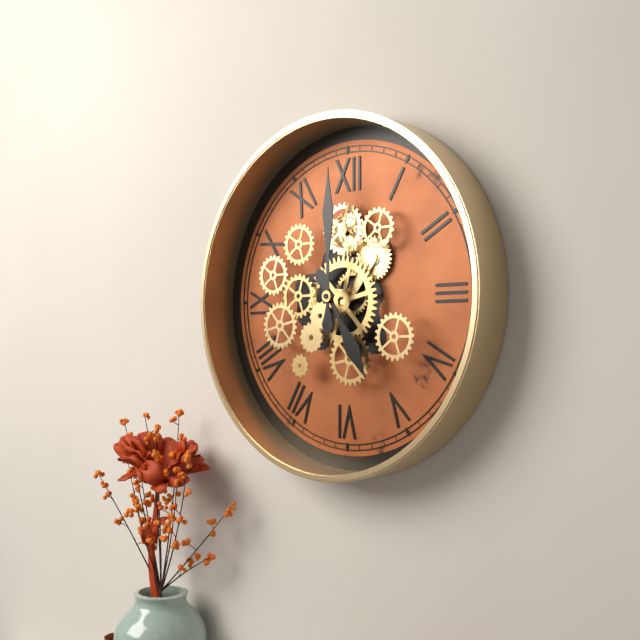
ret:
5:00
